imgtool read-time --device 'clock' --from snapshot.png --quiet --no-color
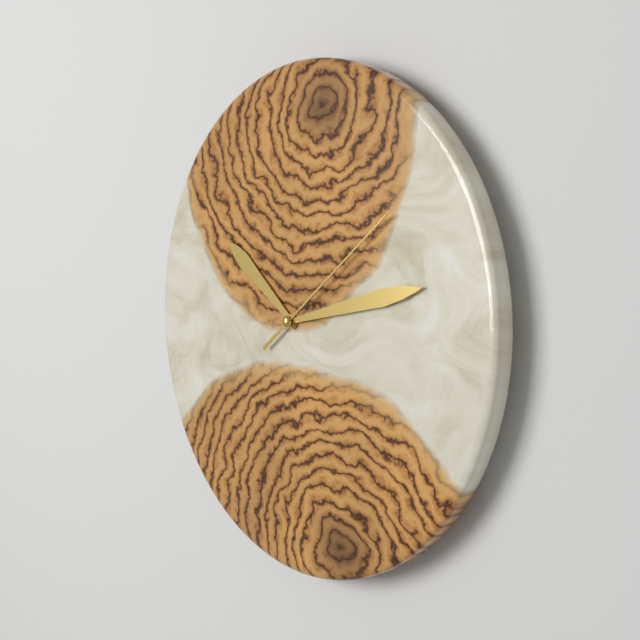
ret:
10:13:09
